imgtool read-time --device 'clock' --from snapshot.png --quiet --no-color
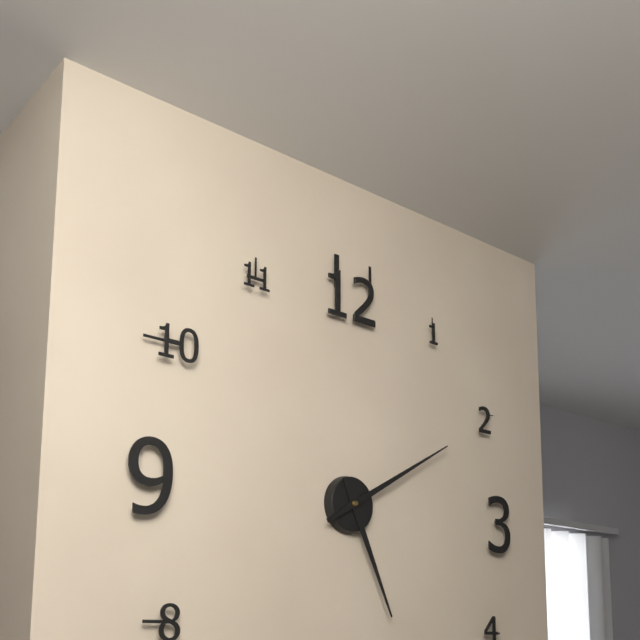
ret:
5:10
